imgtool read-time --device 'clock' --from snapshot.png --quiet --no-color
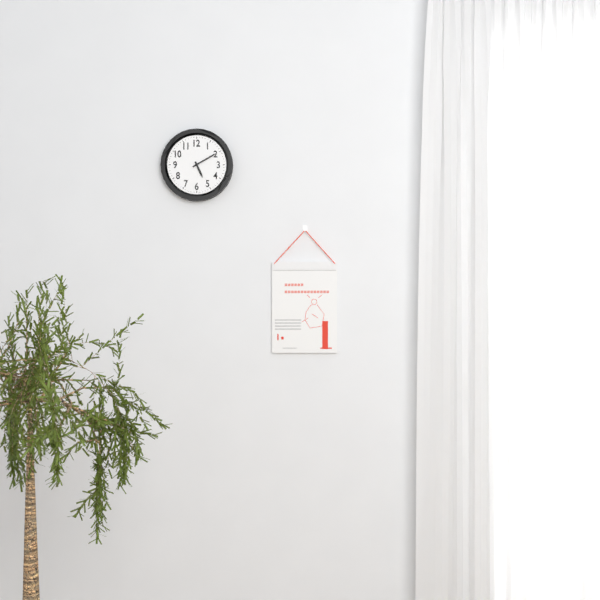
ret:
5:10
